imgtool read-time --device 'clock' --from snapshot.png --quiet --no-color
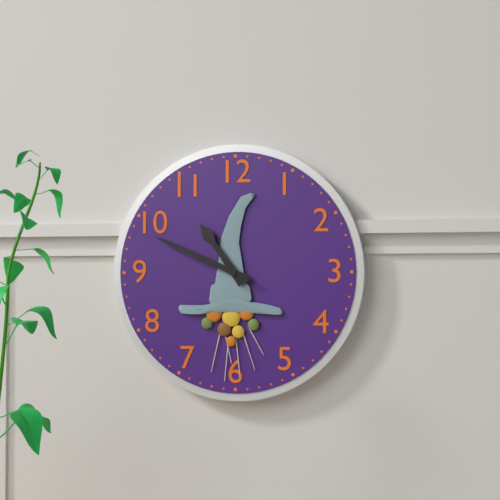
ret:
10:49
